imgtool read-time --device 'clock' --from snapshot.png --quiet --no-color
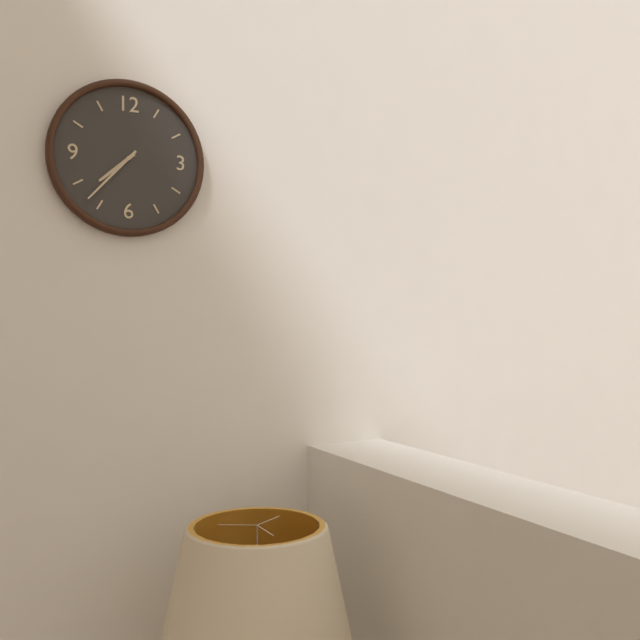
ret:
7:37
